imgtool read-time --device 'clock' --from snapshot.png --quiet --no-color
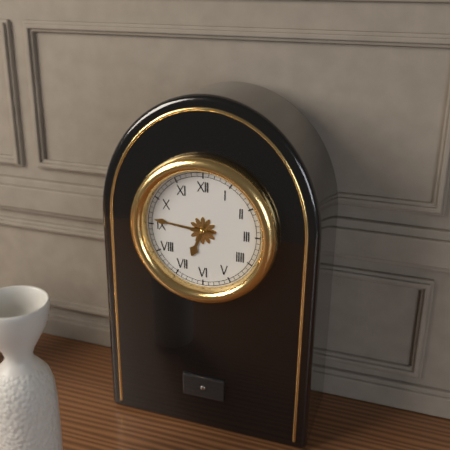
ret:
6:46
